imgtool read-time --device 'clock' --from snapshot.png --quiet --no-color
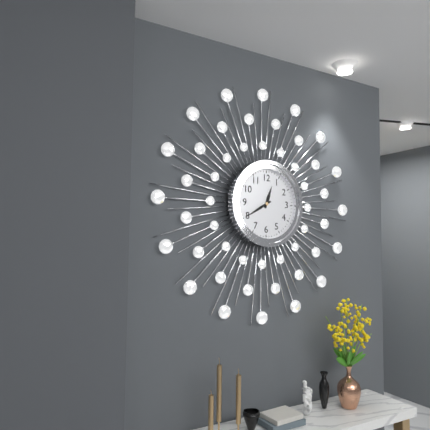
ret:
12:40
